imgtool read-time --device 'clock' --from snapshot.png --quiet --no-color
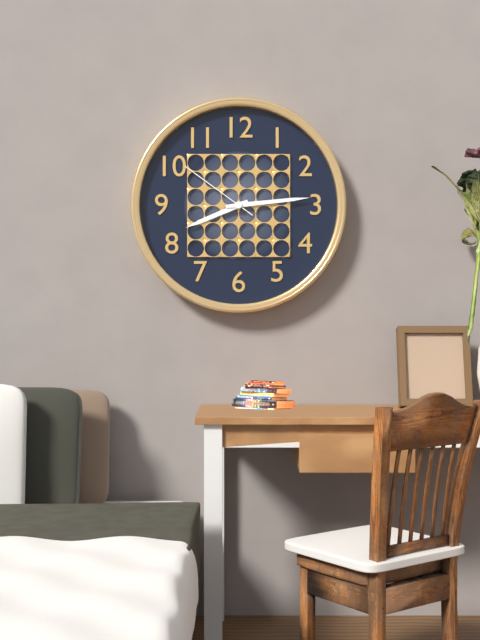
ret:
8:14:51
